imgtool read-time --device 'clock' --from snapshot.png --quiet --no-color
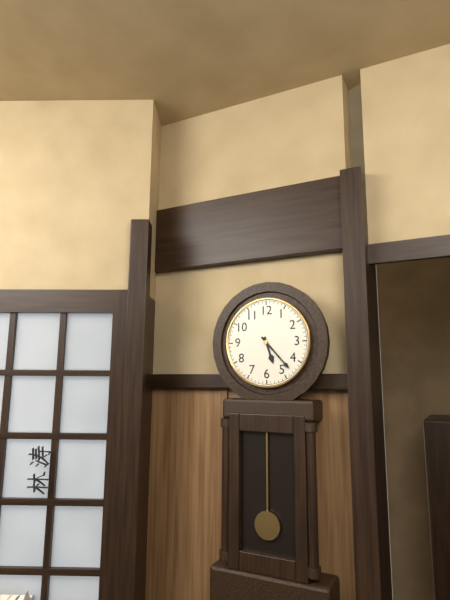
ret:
5:23
